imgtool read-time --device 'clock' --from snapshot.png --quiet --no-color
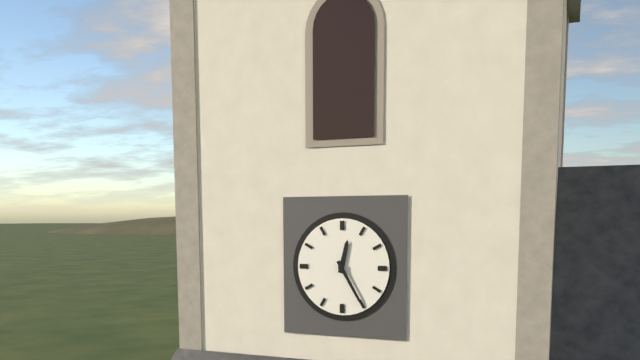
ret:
12:25
